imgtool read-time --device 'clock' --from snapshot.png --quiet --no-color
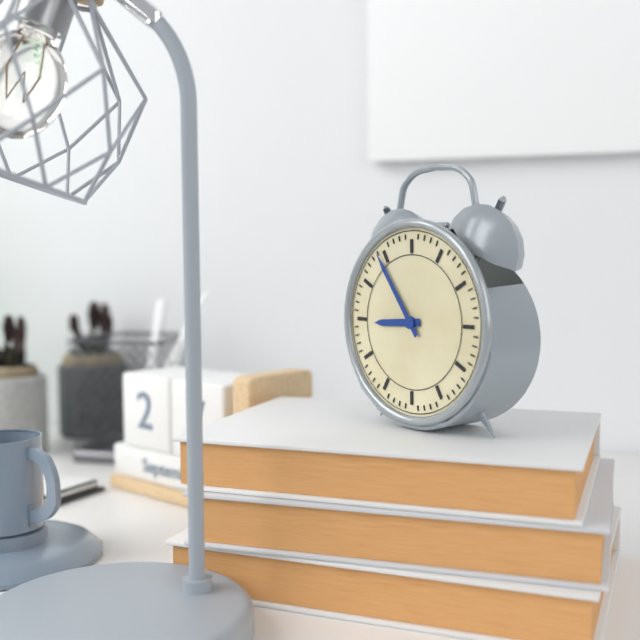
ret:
8:54
